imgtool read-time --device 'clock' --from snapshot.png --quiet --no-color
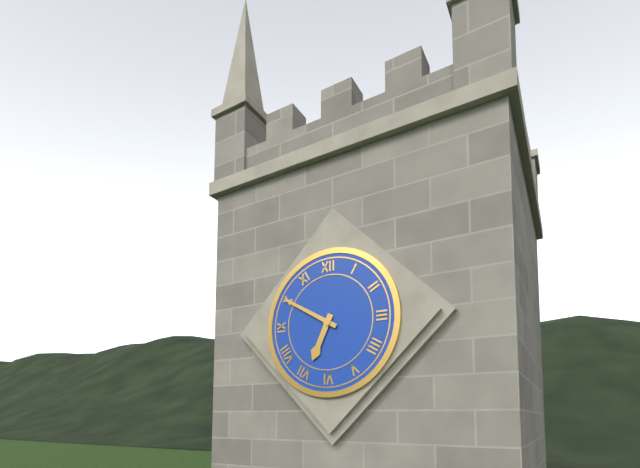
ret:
6:50
